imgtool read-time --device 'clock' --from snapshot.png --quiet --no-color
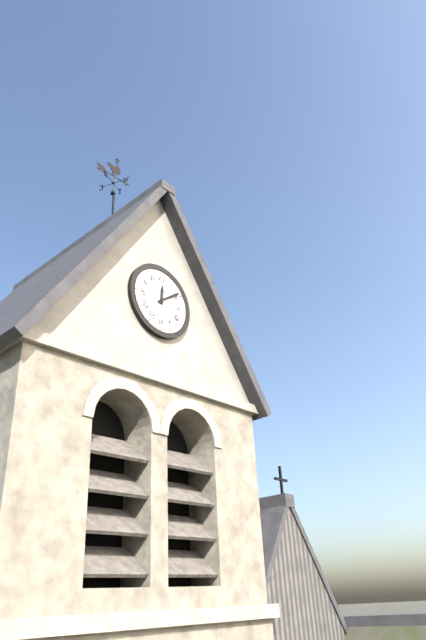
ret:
12:09
